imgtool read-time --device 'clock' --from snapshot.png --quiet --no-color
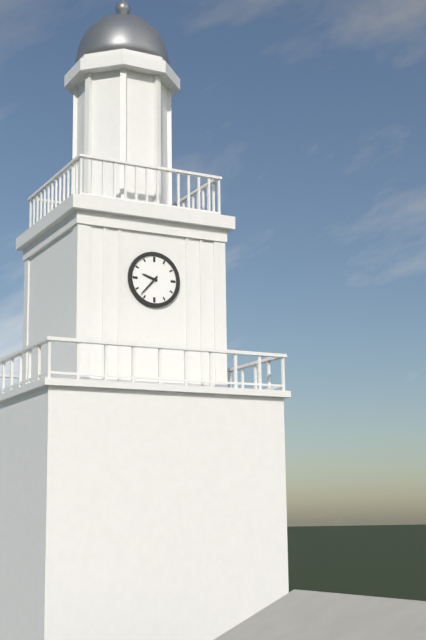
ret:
9:37
